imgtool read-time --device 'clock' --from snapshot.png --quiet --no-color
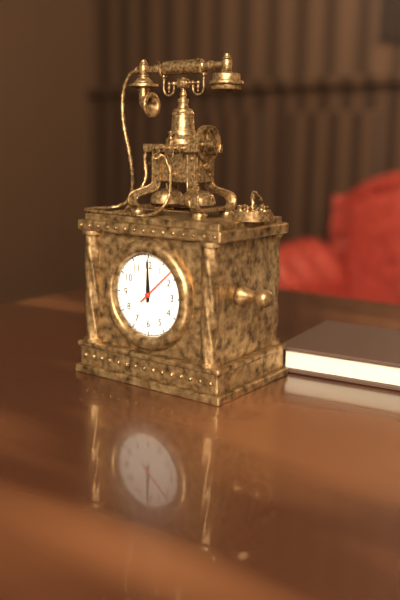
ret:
12:00
